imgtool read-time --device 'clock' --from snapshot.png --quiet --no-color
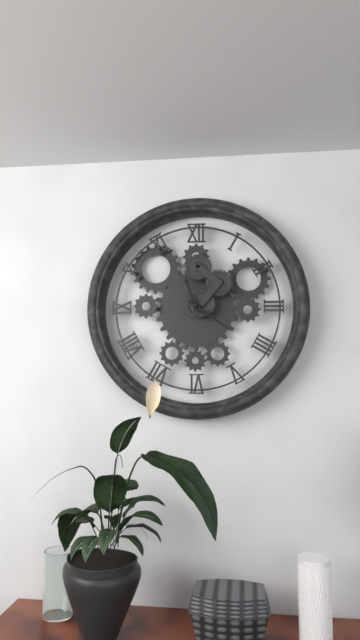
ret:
11:21
